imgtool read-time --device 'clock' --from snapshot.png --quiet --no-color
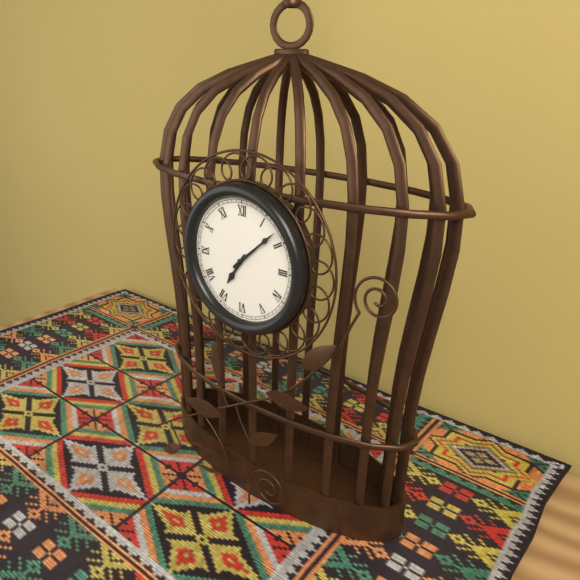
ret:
7:08
